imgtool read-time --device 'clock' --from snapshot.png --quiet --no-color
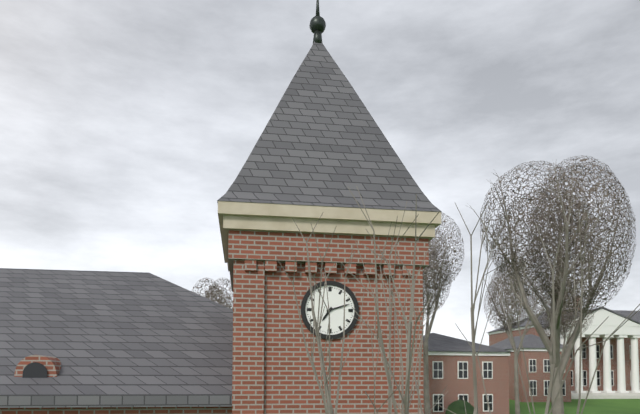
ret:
7:12
